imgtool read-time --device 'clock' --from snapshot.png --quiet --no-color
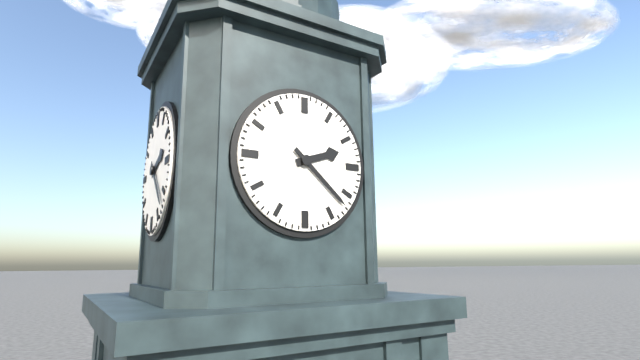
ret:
2:22
